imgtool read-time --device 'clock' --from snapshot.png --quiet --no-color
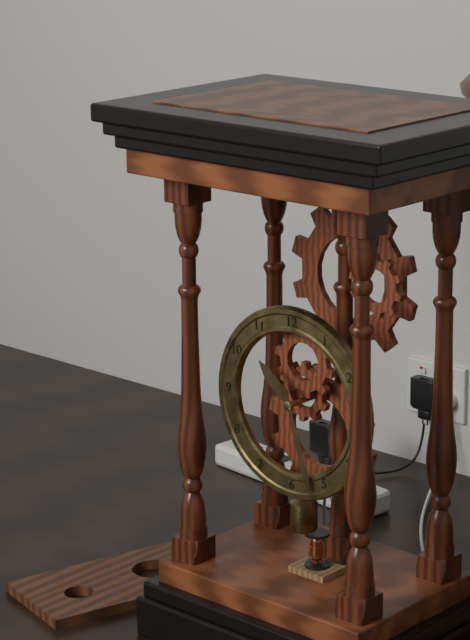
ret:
10:27
